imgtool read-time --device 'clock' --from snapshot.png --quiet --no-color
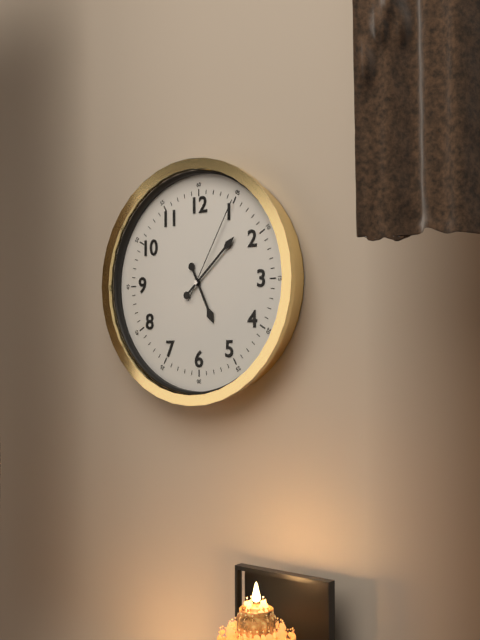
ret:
5:08:05
